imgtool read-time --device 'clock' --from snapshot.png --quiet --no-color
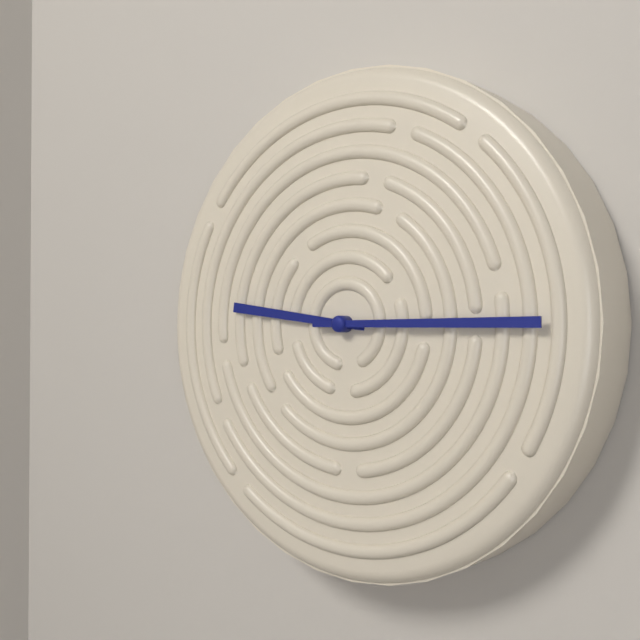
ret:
9:15
